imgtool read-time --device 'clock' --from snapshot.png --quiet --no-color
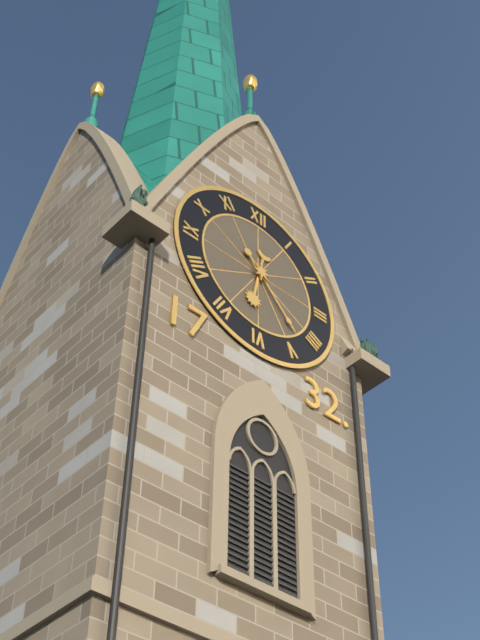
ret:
6:23
